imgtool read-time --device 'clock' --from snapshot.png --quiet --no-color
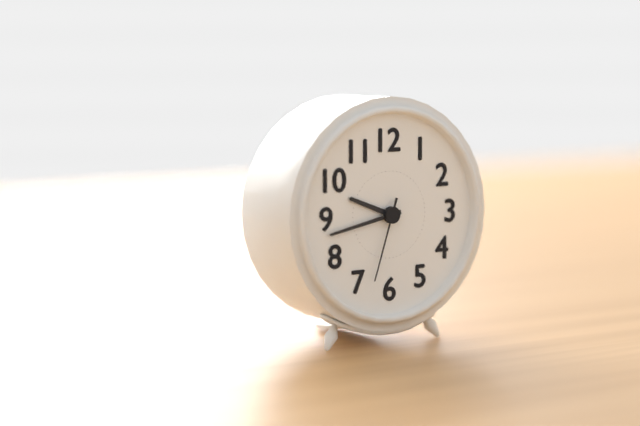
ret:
9:43:33
